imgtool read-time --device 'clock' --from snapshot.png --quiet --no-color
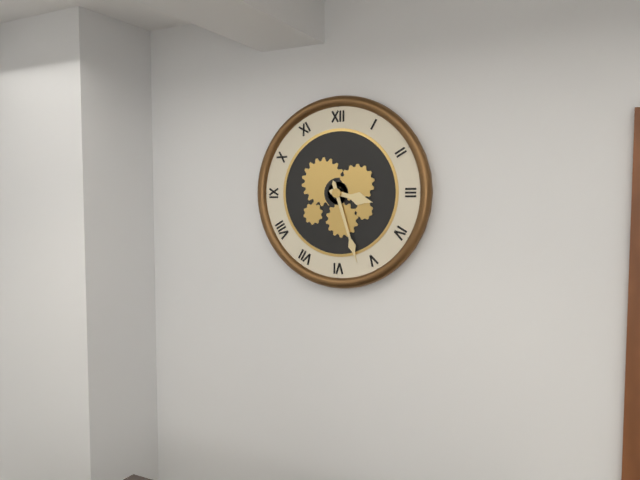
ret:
3:27
